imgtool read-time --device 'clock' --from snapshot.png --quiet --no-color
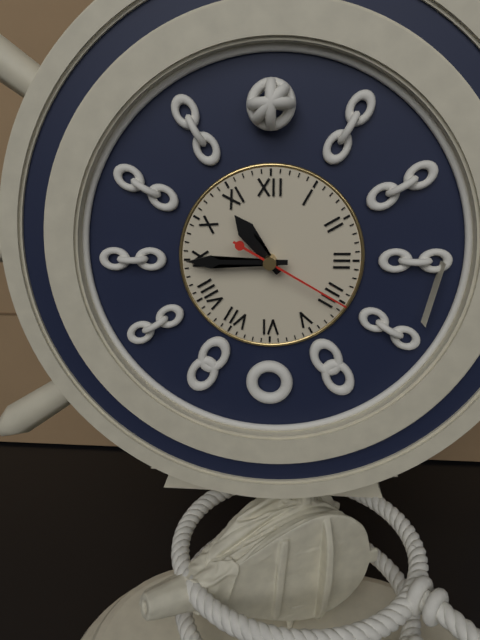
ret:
10:45:20
